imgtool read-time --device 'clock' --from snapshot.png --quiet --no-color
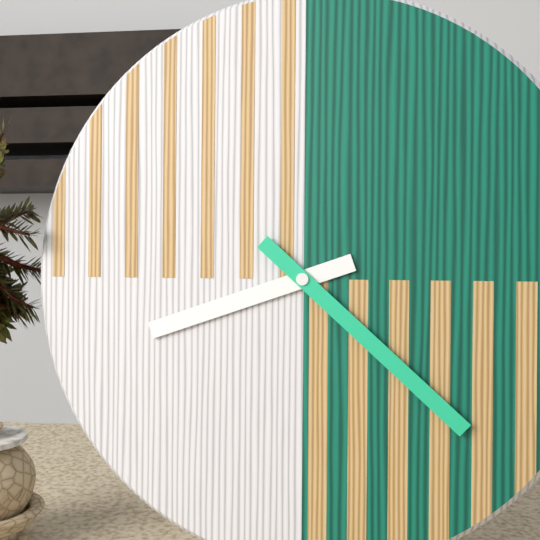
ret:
8:22
